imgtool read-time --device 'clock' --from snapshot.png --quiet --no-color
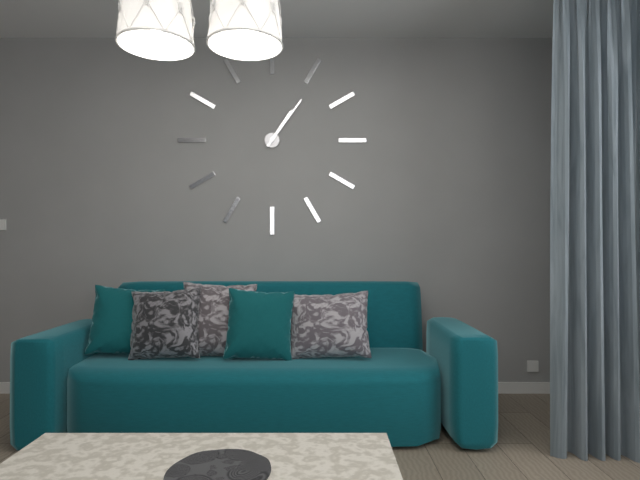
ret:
1:06
